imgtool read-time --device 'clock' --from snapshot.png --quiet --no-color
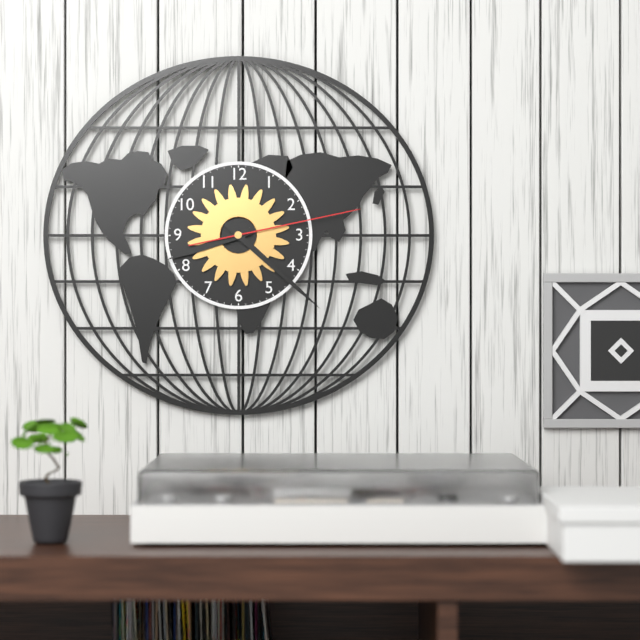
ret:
8:22:13
